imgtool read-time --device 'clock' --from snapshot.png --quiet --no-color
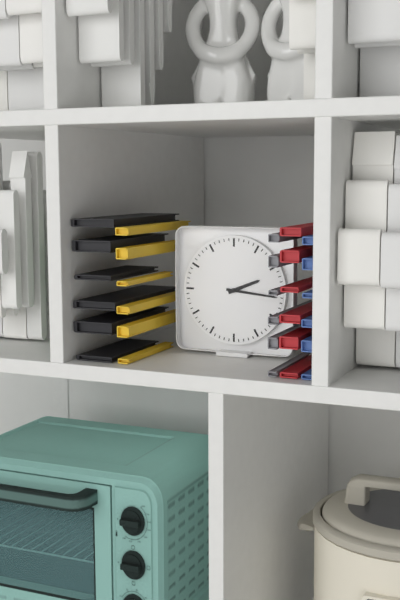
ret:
2:16
